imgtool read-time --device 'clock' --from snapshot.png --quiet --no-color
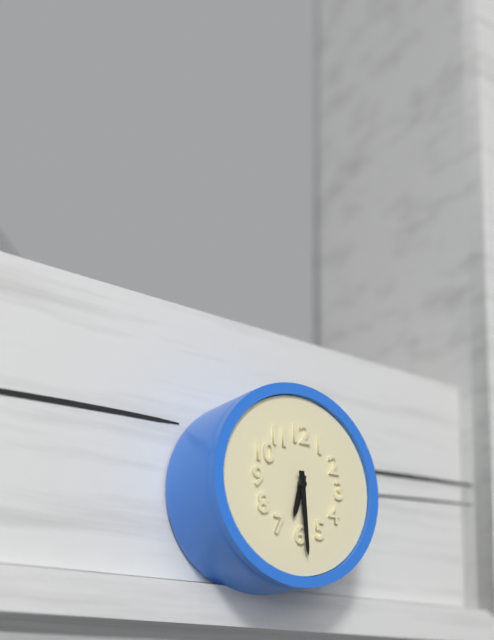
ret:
6:29
